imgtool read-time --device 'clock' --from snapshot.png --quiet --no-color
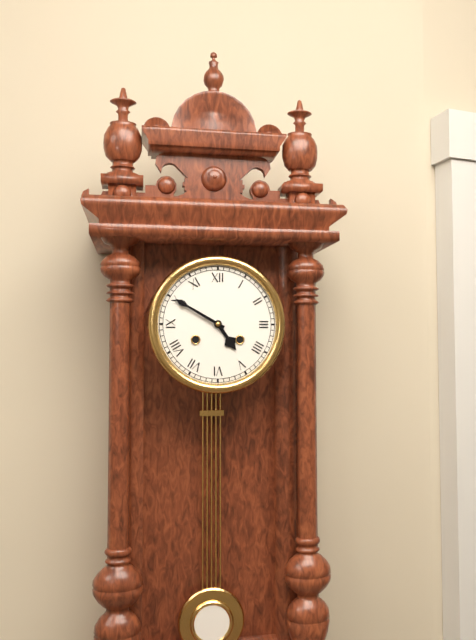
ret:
4:50
